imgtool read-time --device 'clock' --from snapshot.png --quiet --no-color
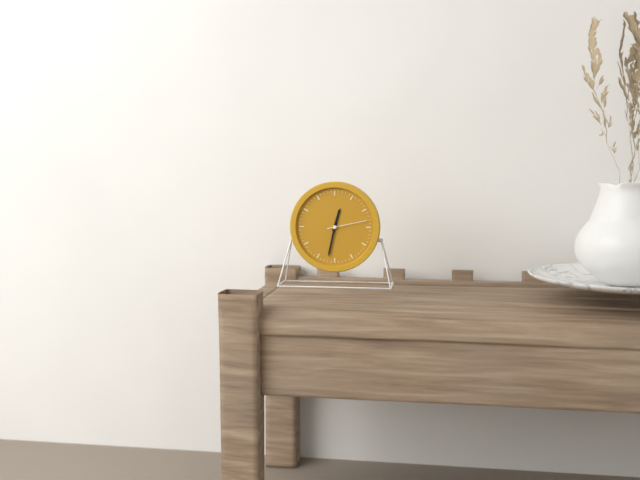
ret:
12:32
